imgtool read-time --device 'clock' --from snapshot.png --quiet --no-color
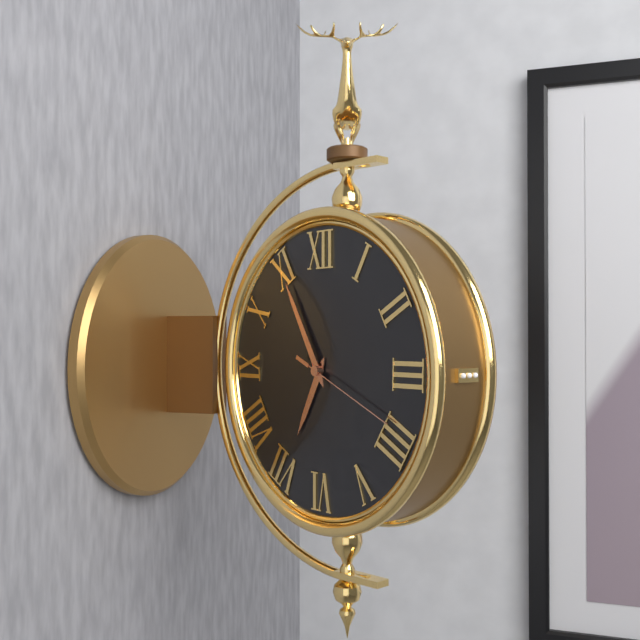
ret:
6:55:19
